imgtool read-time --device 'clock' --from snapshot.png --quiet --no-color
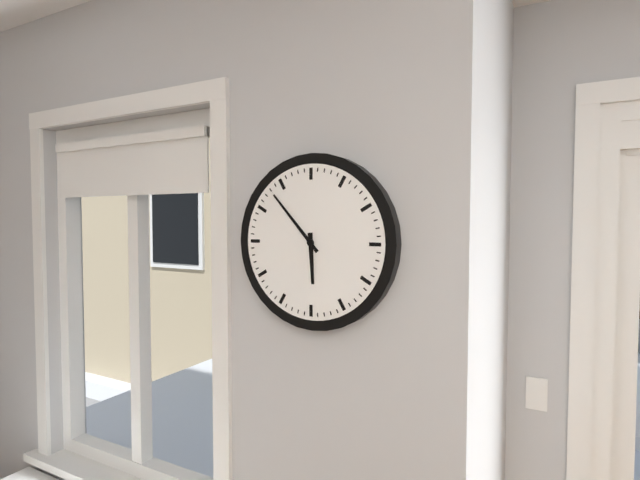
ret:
5:53
